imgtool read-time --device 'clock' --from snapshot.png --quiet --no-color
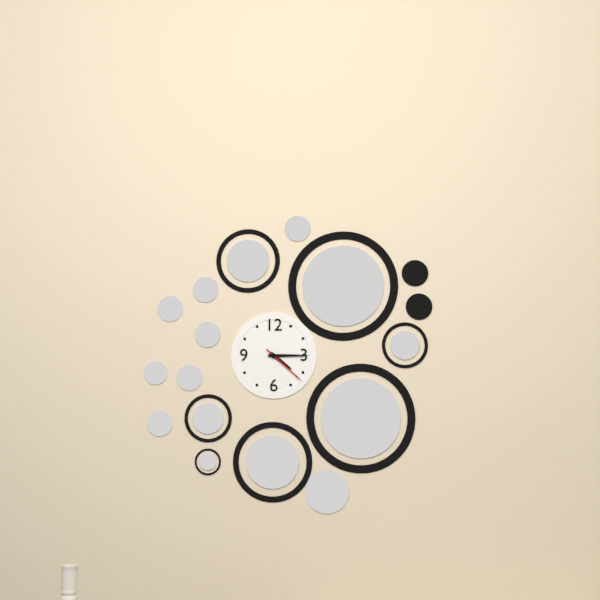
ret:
4:15
